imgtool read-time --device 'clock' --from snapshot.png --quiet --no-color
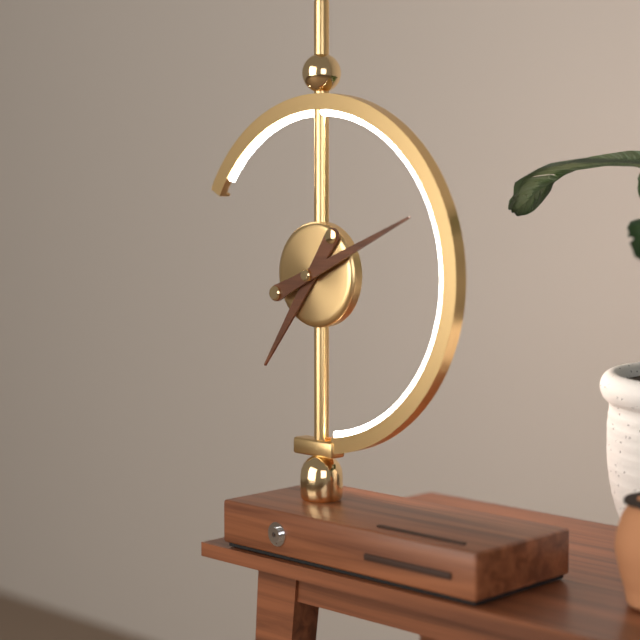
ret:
7:11
